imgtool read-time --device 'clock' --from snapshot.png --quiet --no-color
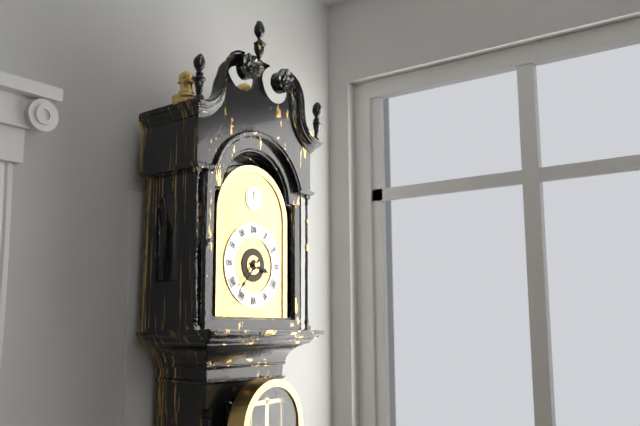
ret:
3:37
